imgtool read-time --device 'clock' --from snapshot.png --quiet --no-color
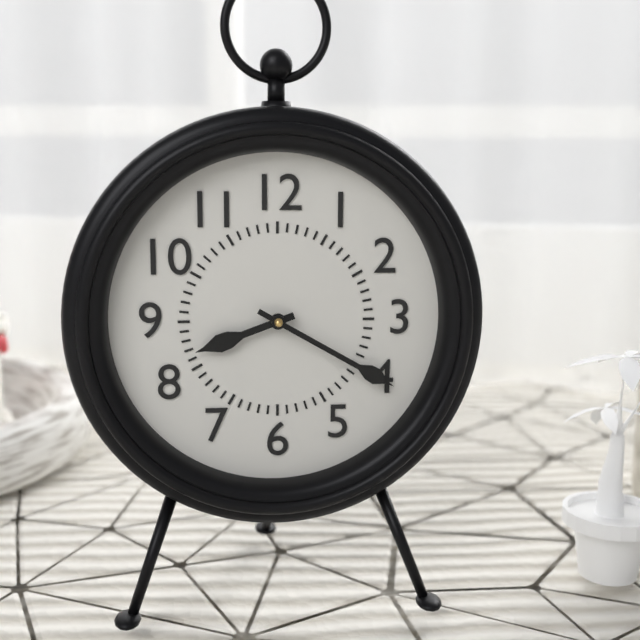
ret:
8:20
